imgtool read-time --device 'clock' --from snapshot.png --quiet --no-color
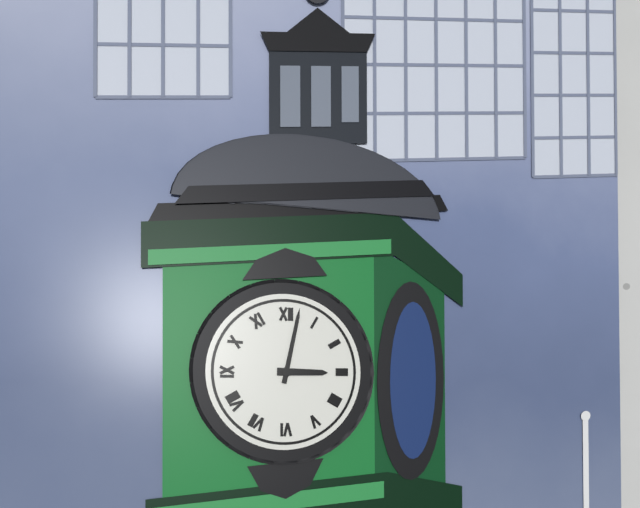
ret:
3:02
